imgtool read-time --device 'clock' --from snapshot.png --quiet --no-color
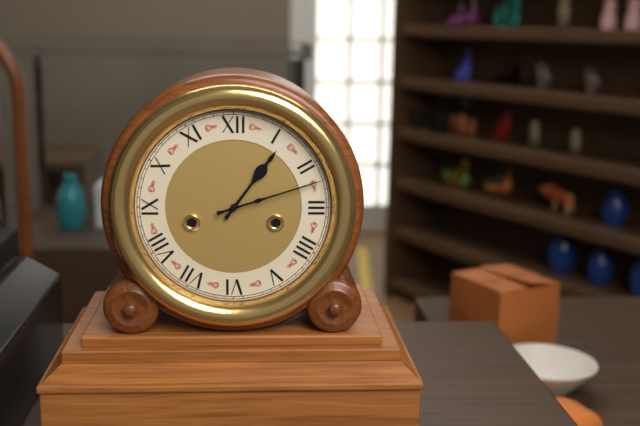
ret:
1:12
